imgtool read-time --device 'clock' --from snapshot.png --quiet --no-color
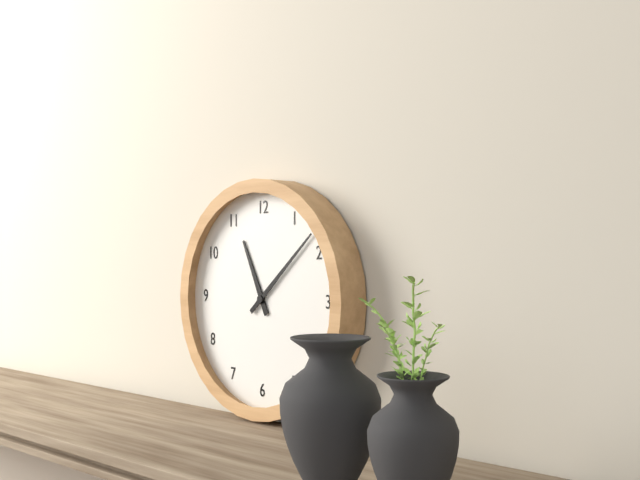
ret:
11:08
